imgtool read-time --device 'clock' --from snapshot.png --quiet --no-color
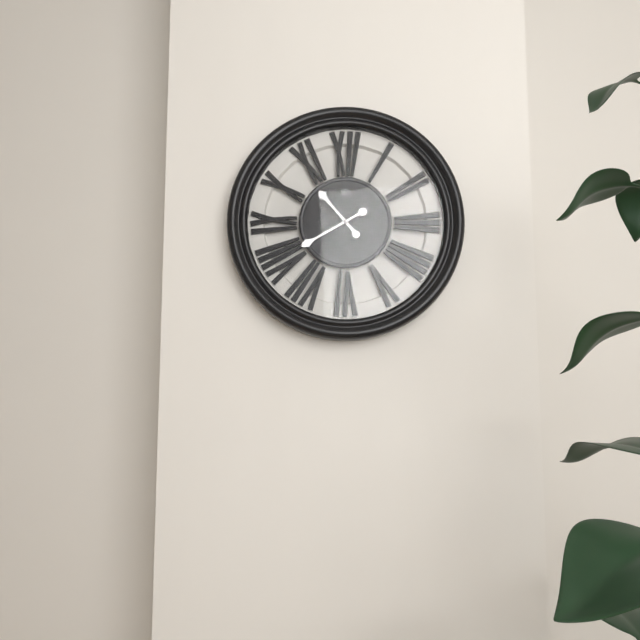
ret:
10:40
